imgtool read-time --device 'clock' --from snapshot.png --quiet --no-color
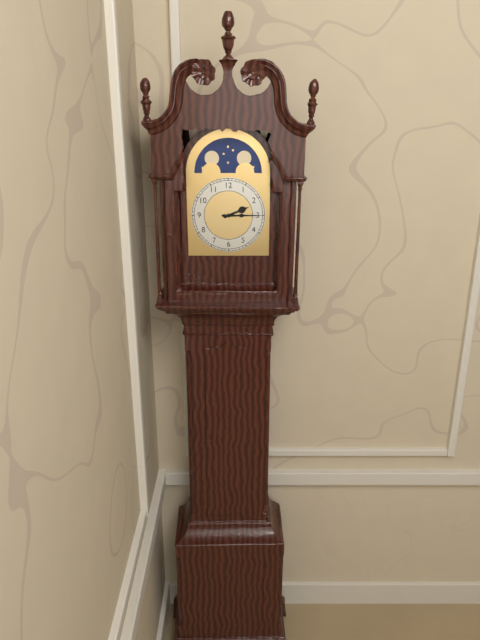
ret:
2:15
